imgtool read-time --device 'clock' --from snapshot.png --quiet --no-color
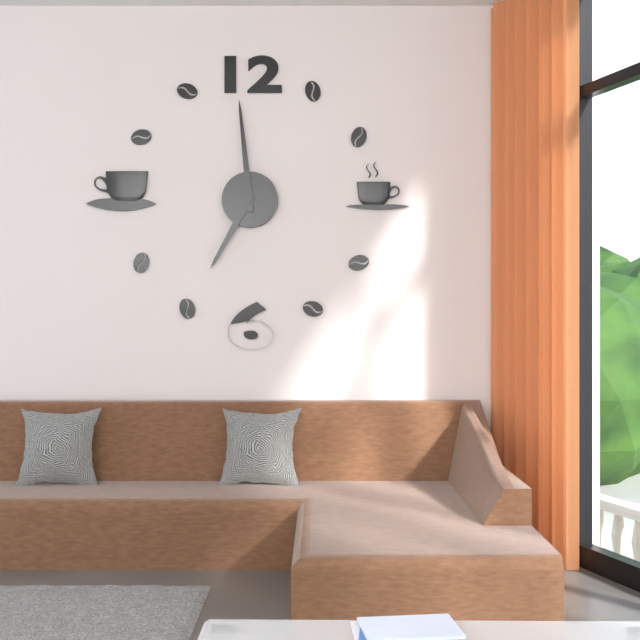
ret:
6:59
